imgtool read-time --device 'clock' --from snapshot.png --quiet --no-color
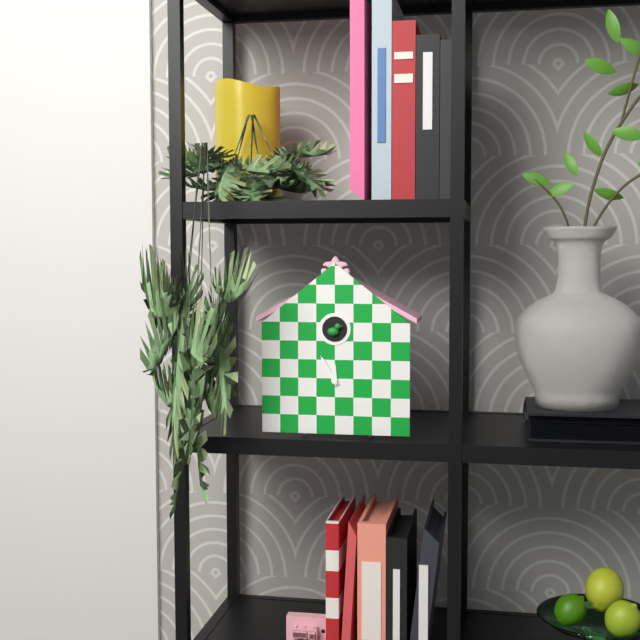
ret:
11:55
